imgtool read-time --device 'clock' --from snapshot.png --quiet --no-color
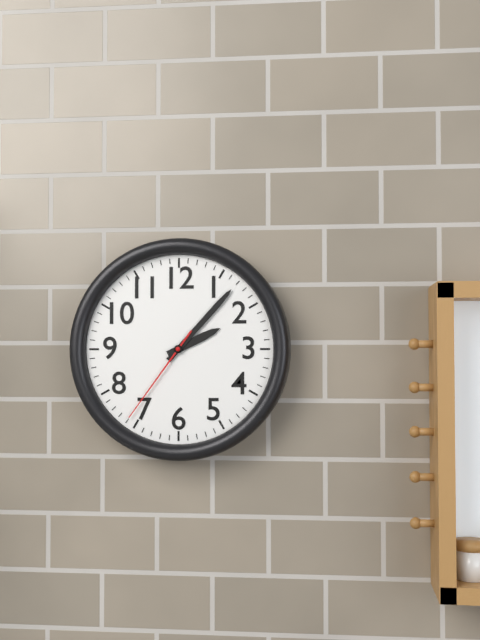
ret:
2:07:36
